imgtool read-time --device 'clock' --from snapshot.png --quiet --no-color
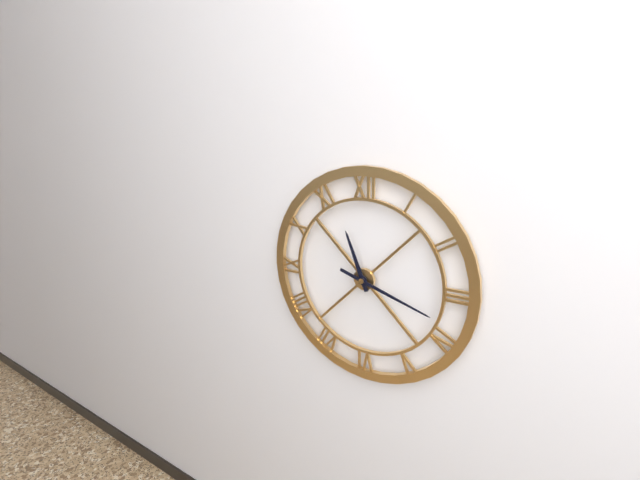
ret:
11:18
